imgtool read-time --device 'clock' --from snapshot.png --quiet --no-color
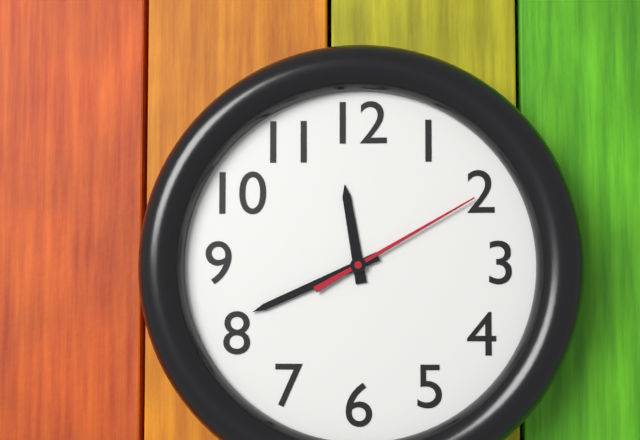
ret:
11:41:10
